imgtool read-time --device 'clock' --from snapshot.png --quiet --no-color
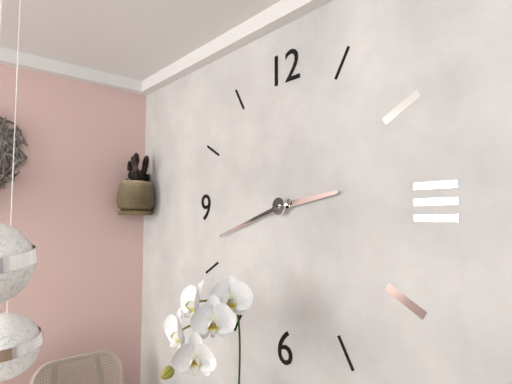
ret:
2:42
